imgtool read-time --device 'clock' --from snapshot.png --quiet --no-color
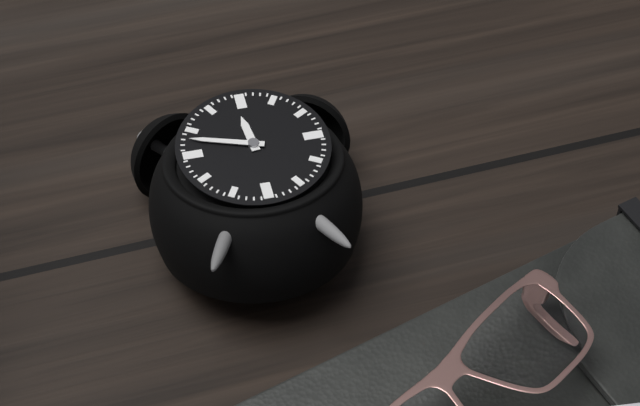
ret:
11:48
